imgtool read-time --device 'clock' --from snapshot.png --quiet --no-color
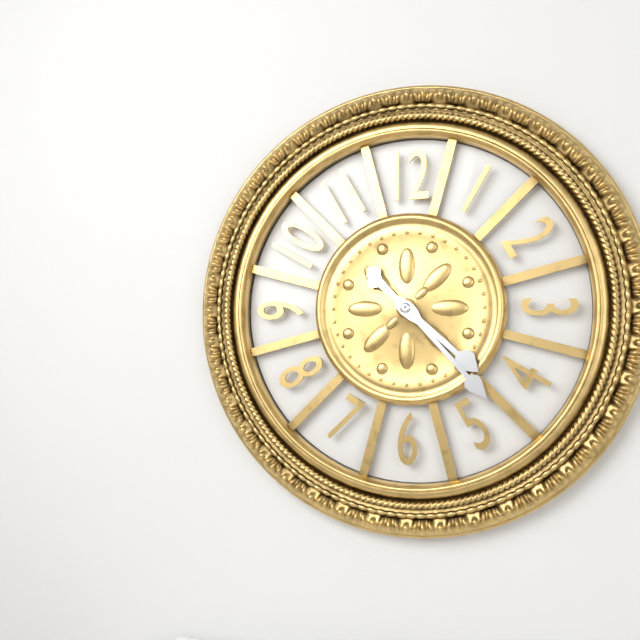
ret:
4:23
